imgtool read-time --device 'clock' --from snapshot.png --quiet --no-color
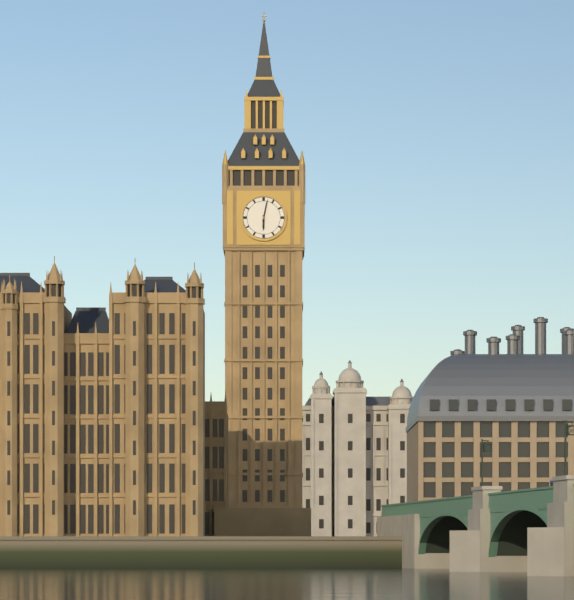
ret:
6:02
